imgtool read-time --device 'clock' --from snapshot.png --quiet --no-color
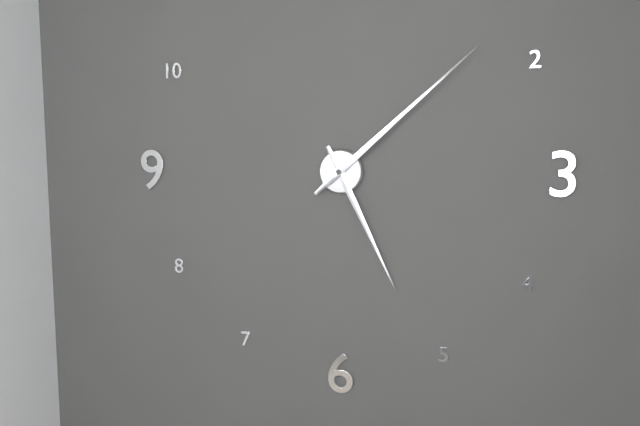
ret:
5:08
